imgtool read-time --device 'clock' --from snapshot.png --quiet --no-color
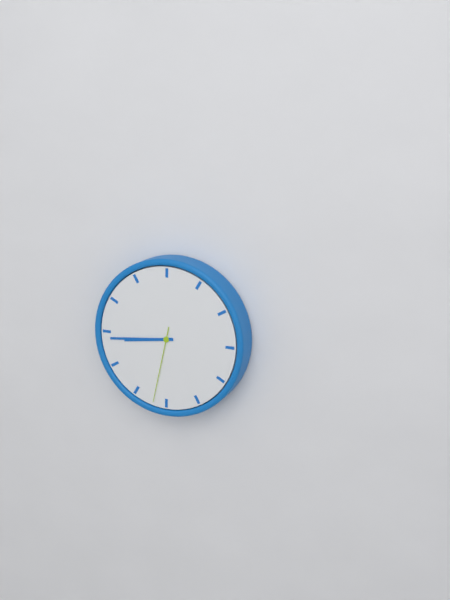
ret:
8:44:32
